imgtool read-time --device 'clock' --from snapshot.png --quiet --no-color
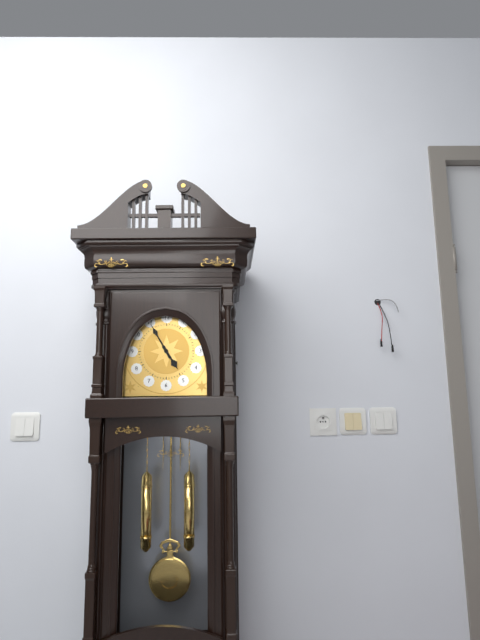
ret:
4:55
